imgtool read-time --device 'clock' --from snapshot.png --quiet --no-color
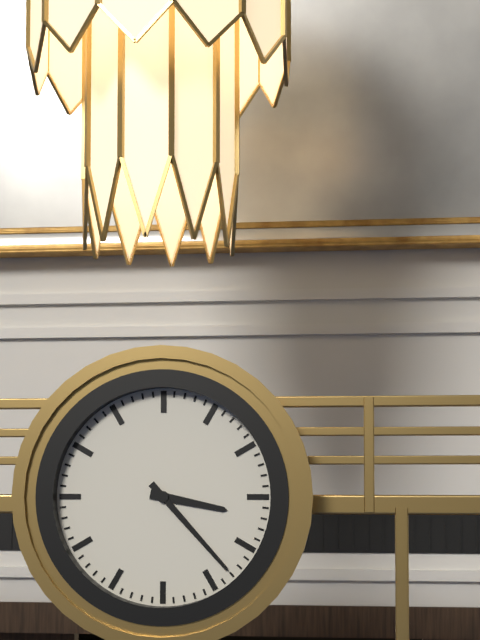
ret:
3:23
